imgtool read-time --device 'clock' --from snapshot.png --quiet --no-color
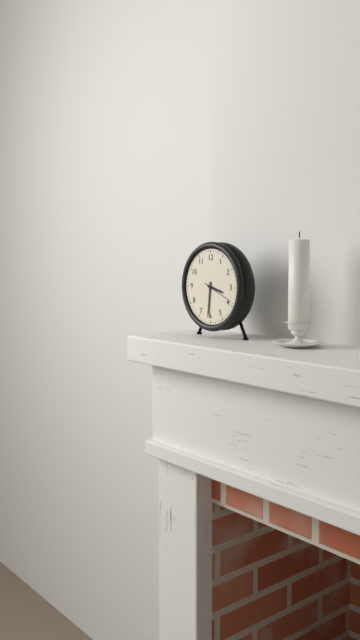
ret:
3:31
